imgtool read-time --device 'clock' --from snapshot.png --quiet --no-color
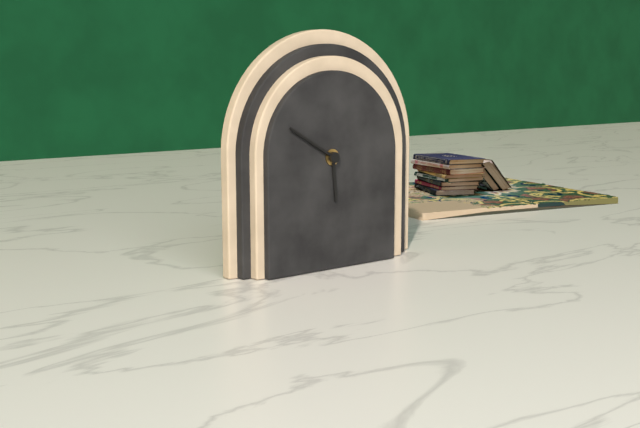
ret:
5:50
